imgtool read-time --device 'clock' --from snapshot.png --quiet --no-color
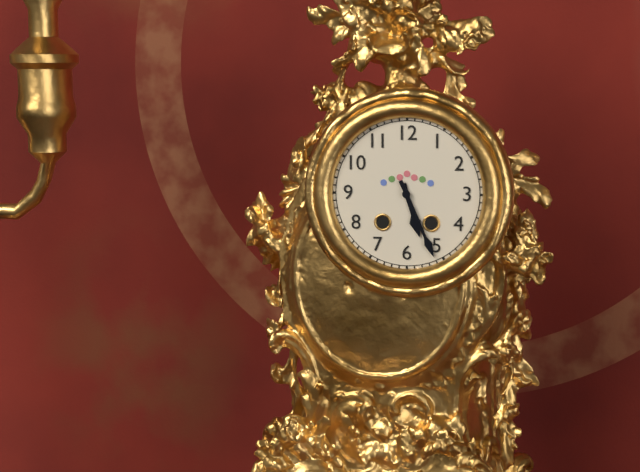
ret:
5:26
